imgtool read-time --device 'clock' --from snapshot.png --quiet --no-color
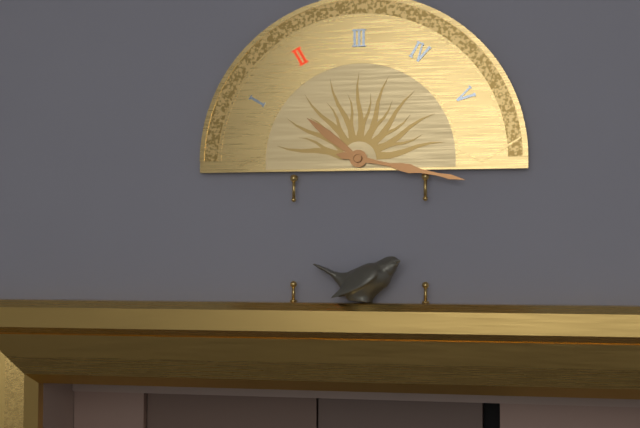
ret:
10:17
